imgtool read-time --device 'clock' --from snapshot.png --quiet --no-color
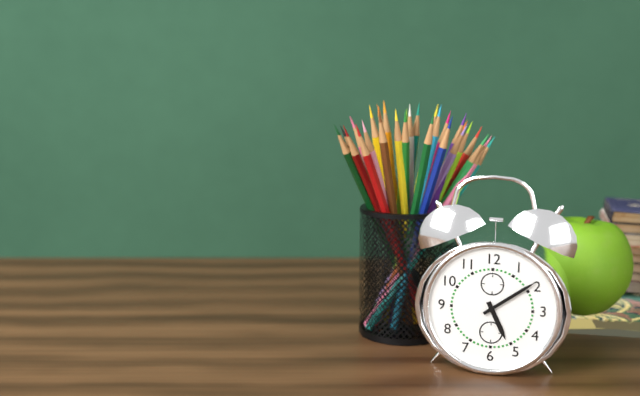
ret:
5:09
